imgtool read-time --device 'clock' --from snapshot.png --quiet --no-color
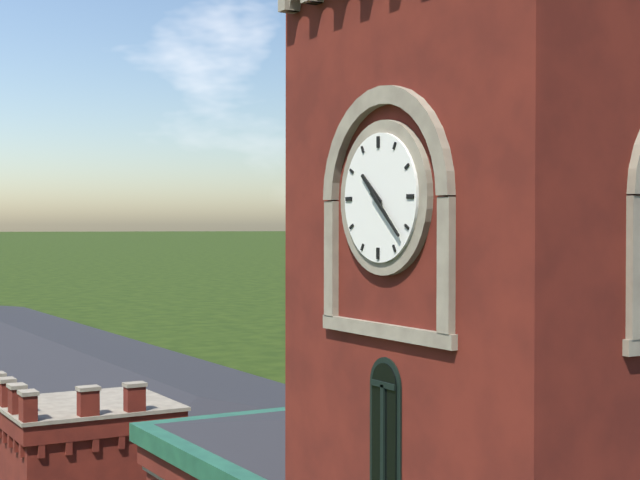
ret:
10:22
